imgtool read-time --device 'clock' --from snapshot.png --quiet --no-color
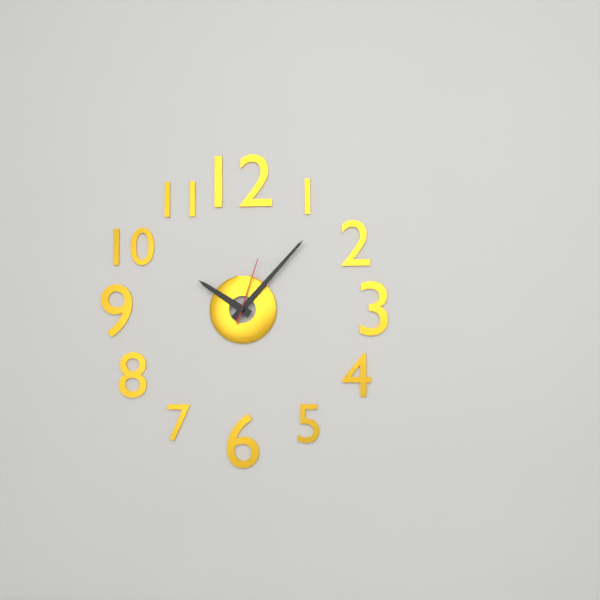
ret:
10:07:03
